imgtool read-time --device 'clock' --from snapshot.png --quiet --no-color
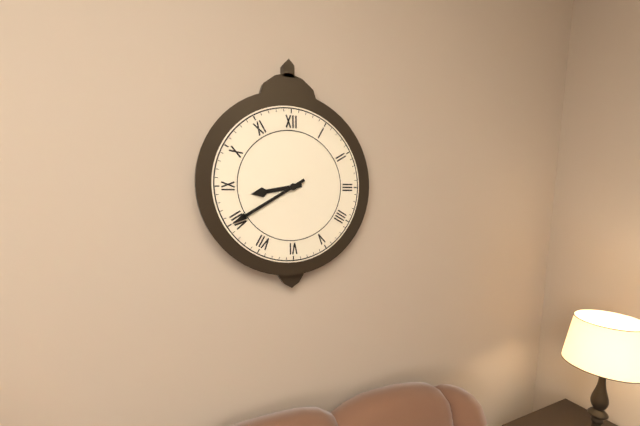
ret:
8:40
